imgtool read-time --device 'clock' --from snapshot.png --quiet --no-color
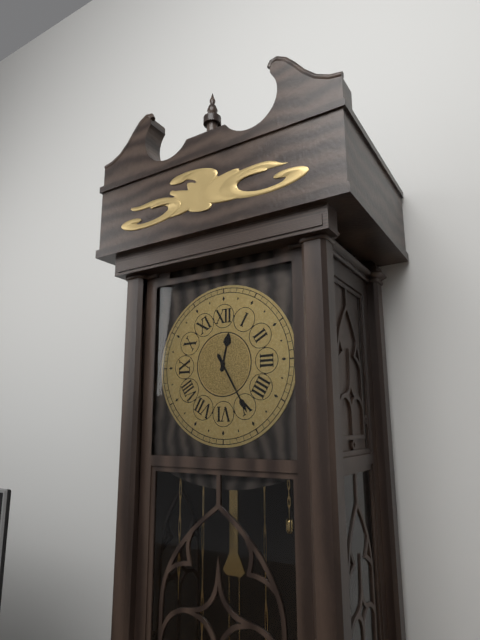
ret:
12:25
